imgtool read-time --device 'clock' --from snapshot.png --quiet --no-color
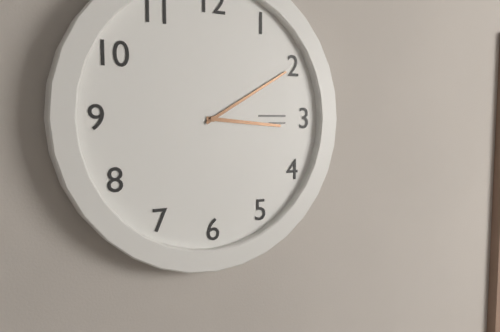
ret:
3:10
